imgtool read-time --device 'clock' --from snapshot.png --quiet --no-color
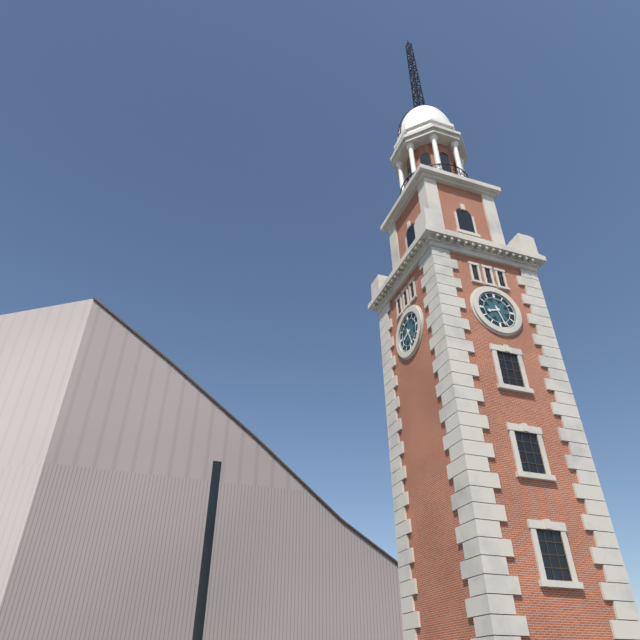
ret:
8:27
